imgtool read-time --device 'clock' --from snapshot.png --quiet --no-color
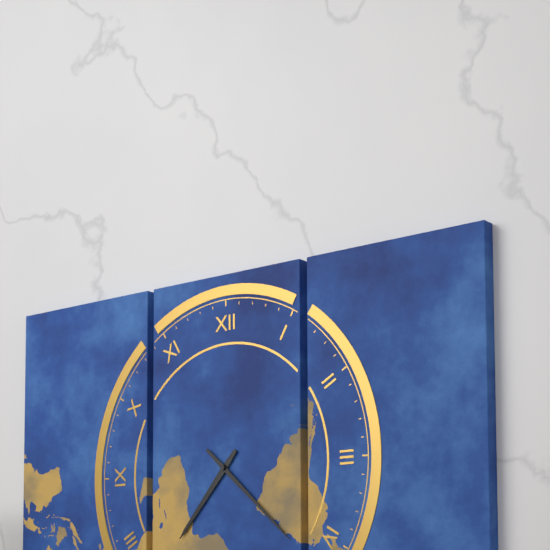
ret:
7:22
